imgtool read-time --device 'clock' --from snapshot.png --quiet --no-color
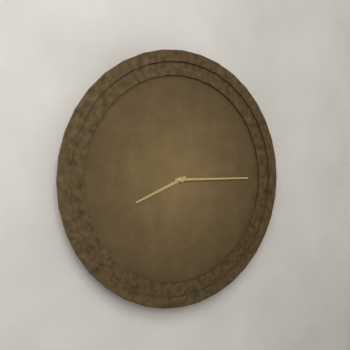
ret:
8:15
